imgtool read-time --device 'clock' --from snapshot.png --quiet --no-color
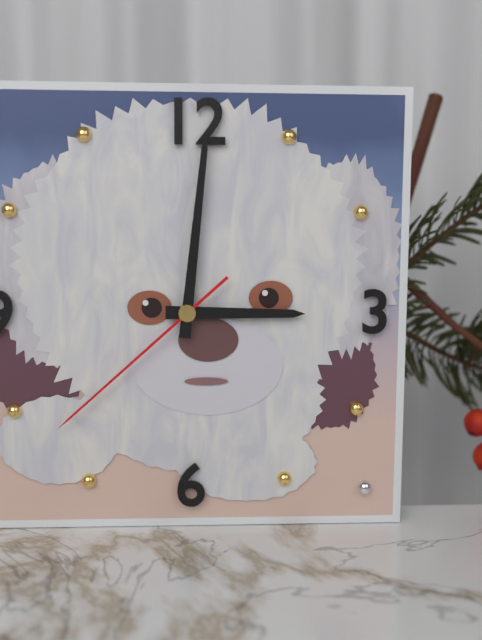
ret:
3:01:38
